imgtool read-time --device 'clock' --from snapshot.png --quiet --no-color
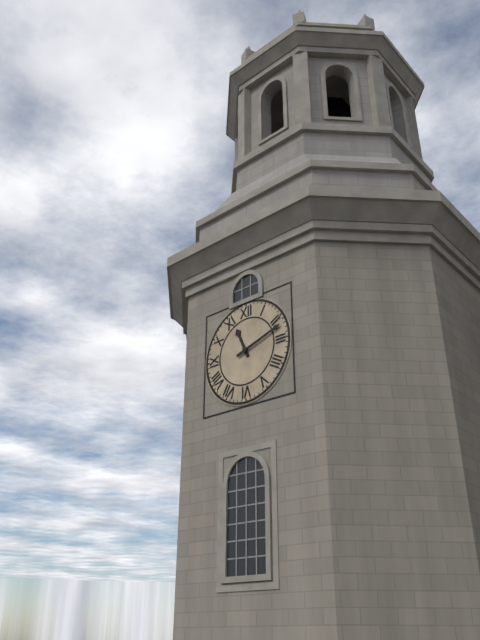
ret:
11:12
